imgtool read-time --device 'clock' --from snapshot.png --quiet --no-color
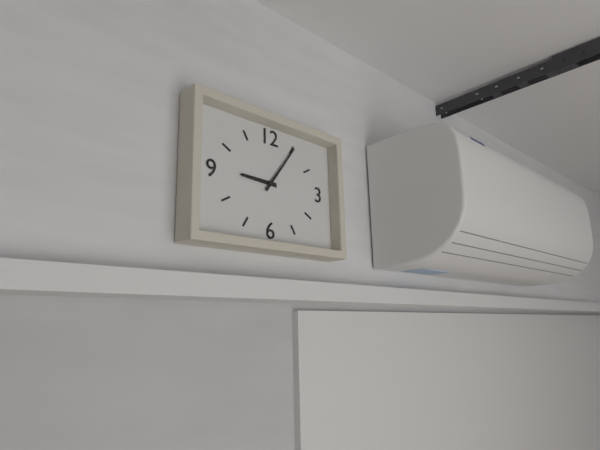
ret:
9:06
